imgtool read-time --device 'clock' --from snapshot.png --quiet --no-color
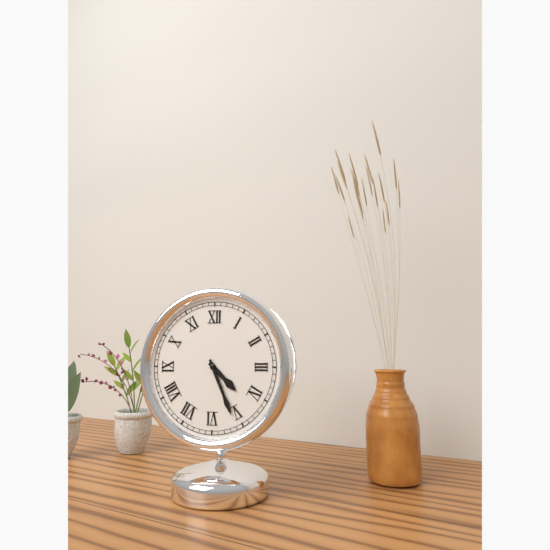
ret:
4:26
